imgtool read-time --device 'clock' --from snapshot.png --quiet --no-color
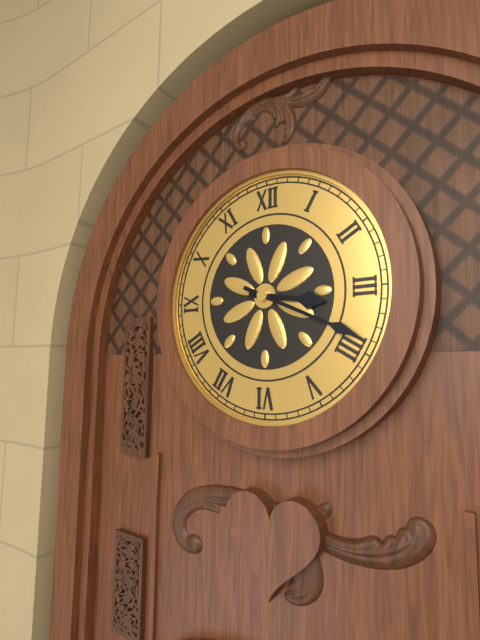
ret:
3:19
